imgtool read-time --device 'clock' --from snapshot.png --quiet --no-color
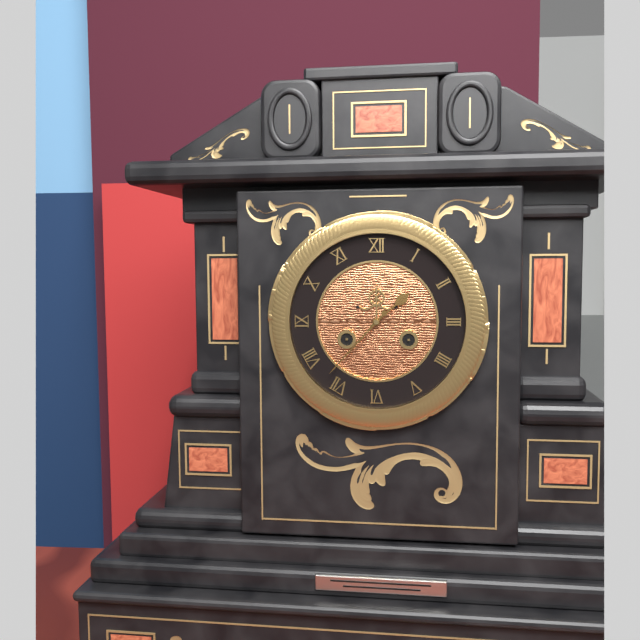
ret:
1:37
